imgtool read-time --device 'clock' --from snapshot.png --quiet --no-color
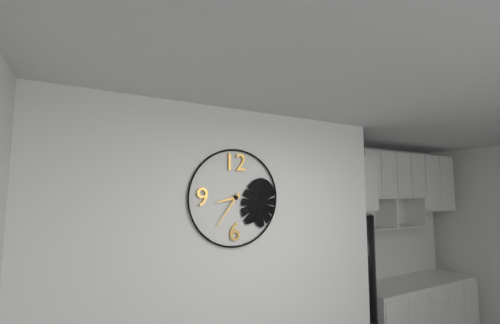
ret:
8:36
